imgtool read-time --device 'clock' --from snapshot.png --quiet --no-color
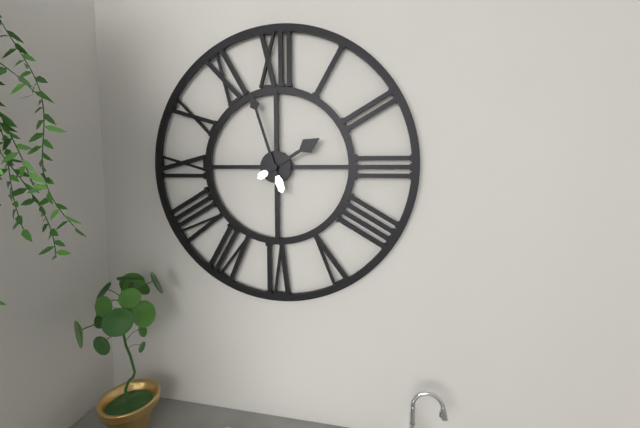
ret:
1:57
